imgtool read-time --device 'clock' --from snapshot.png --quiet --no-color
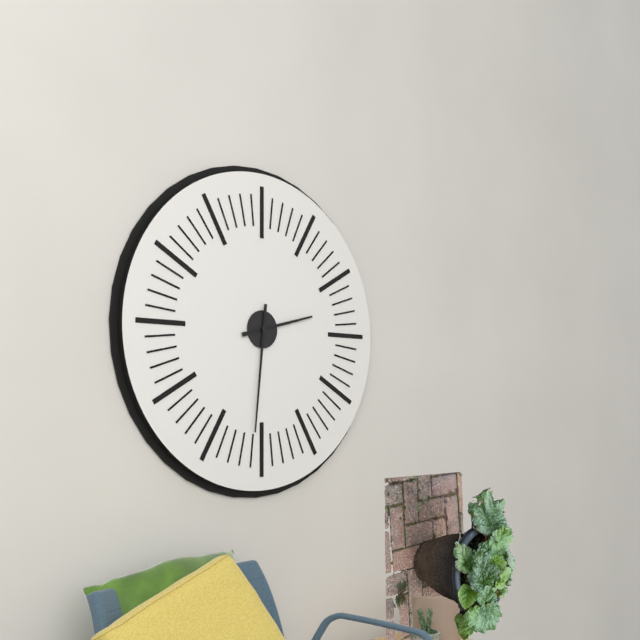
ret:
2:31
